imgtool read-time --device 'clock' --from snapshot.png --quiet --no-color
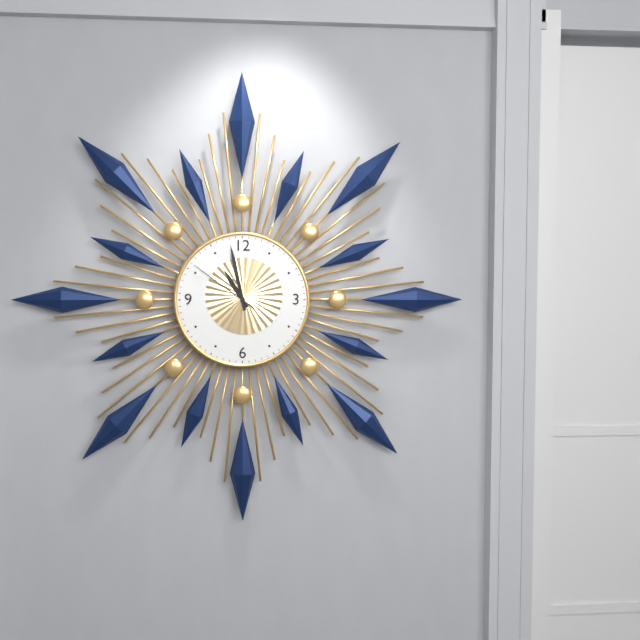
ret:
10:58:51
